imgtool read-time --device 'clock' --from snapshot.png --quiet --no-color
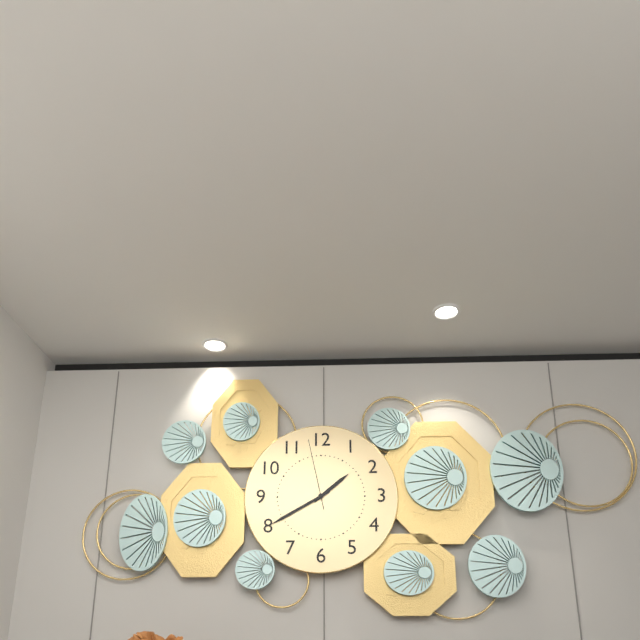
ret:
1:40:58
